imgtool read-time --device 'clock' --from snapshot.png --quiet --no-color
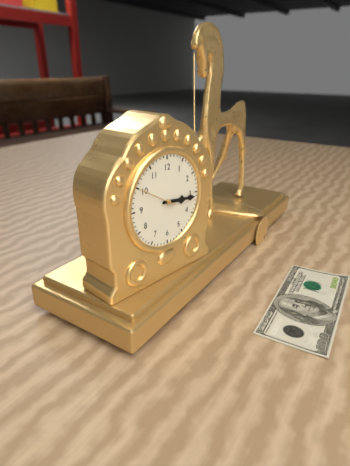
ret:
3:16
